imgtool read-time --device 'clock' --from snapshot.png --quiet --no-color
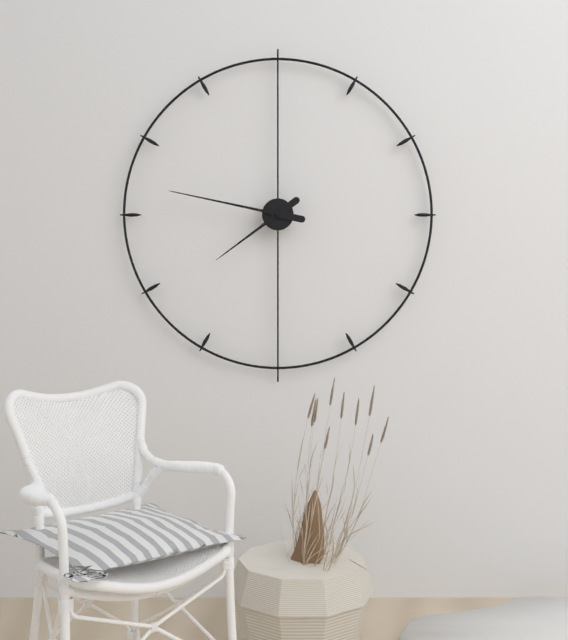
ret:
7:47
